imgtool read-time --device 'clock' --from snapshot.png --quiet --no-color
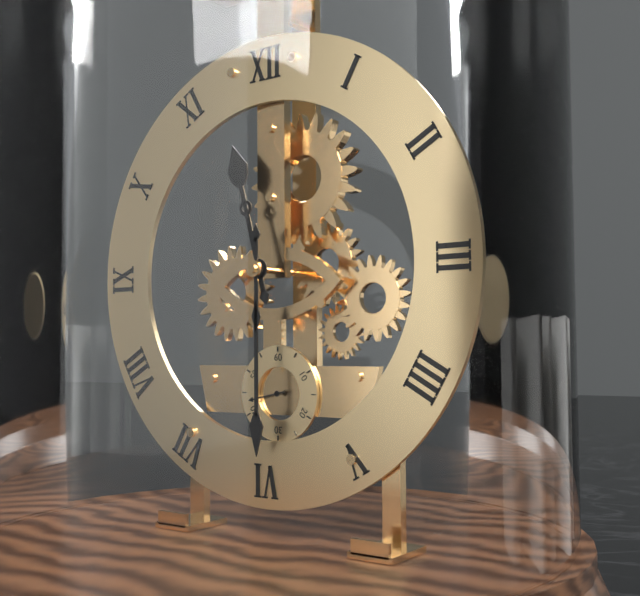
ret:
11:30
